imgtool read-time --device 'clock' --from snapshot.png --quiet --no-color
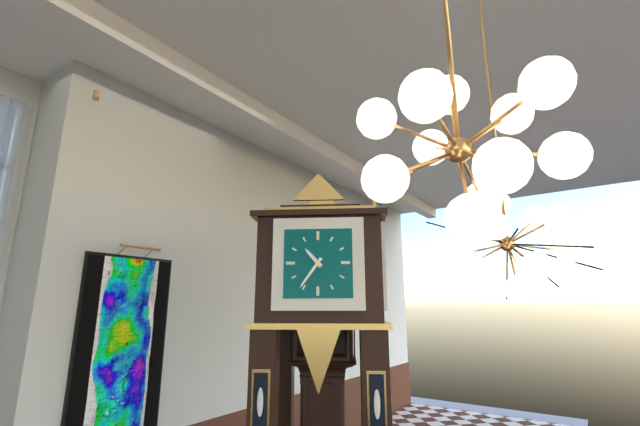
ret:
10:36
